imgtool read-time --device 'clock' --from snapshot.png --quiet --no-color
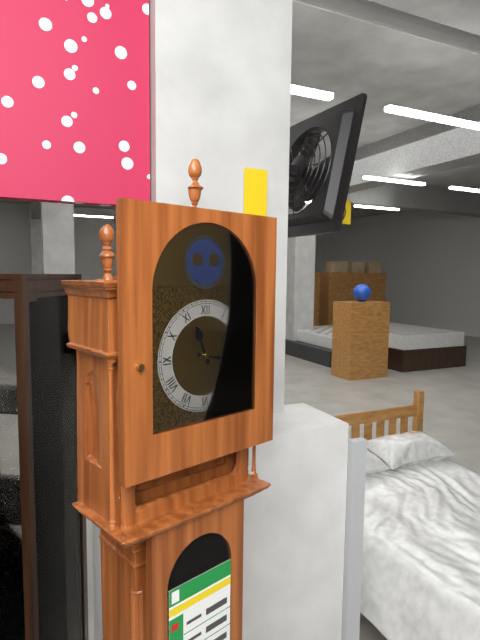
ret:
11:17
